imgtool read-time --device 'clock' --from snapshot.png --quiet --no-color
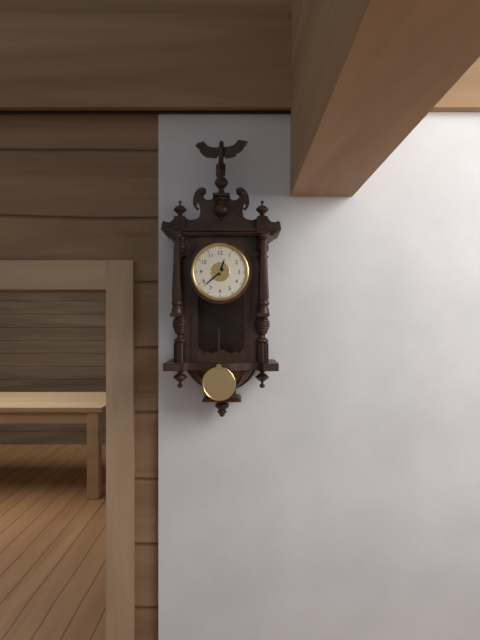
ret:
12:38
